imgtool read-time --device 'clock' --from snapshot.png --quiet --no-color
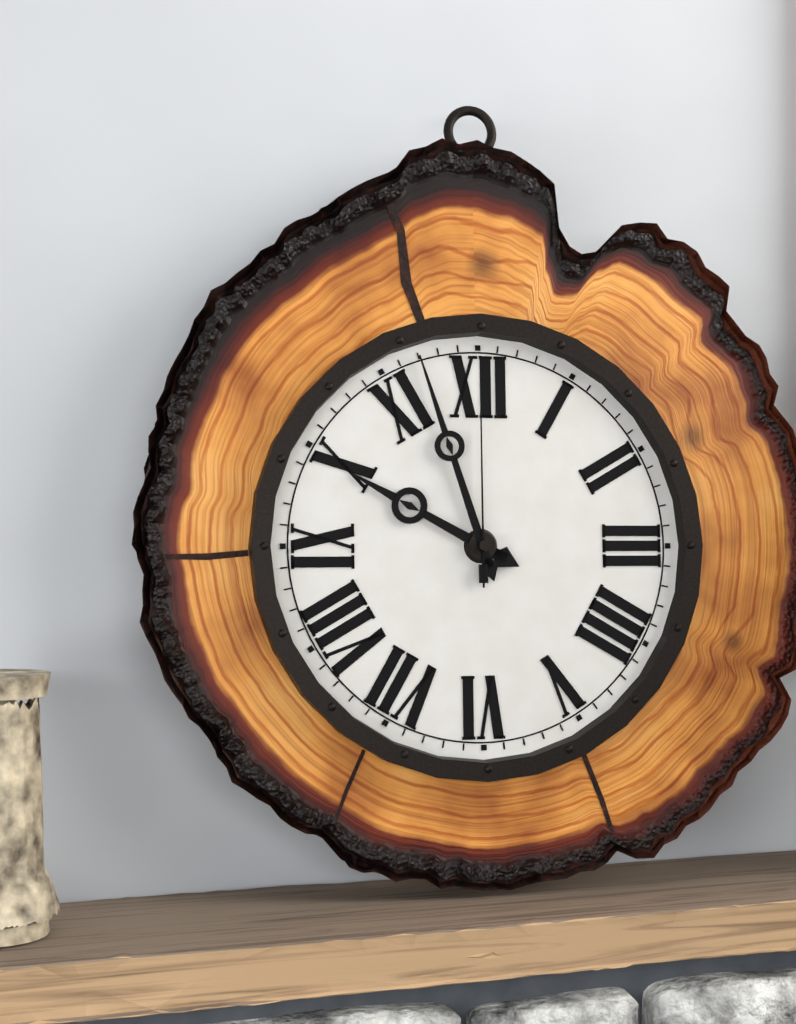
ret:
9:57:00
